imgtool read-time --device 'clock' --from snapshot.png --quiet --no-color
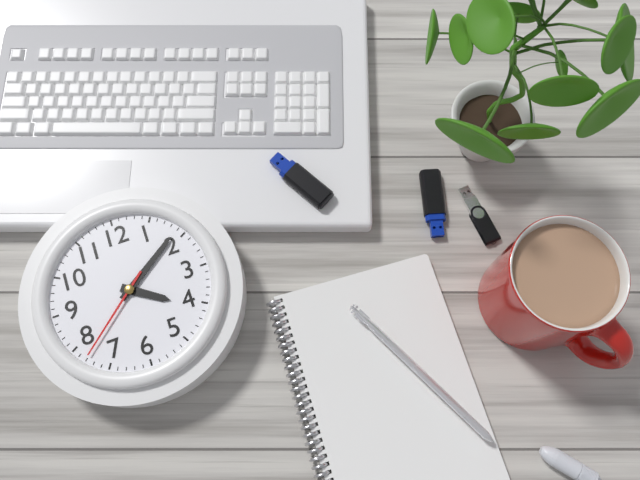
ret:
4:09:38
